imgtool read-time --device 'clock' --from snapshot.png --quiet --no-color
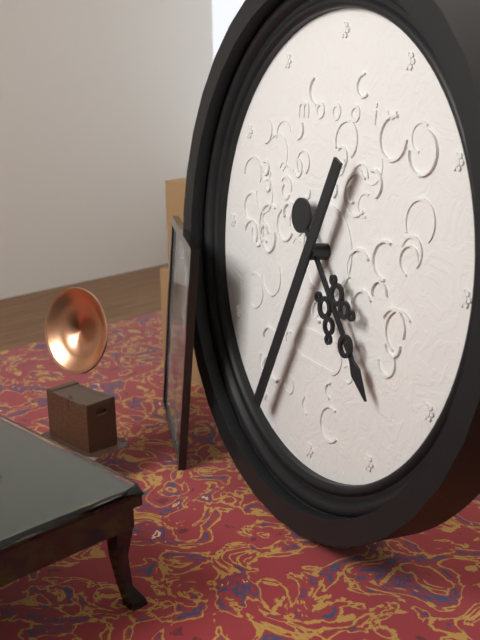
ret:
4:34
